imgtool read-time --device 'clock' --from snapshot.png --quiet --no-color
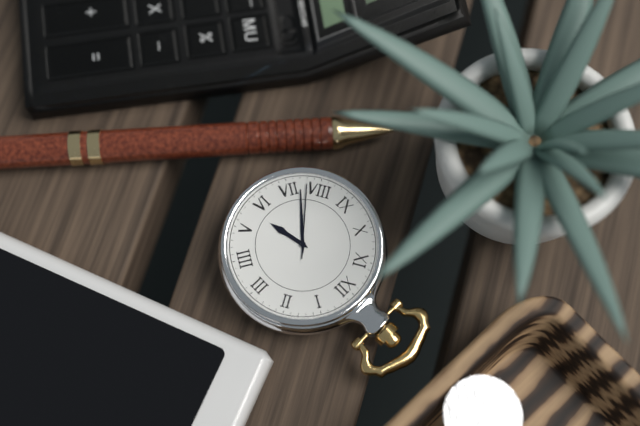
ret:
5:37:38
